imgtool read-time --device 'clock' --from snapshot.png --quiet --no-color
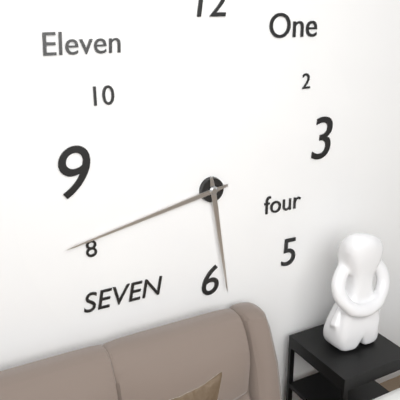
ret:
5:43
